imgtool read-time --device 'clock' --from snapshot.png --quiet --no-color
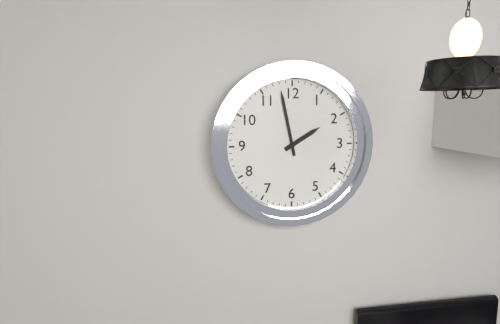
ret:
1:58
